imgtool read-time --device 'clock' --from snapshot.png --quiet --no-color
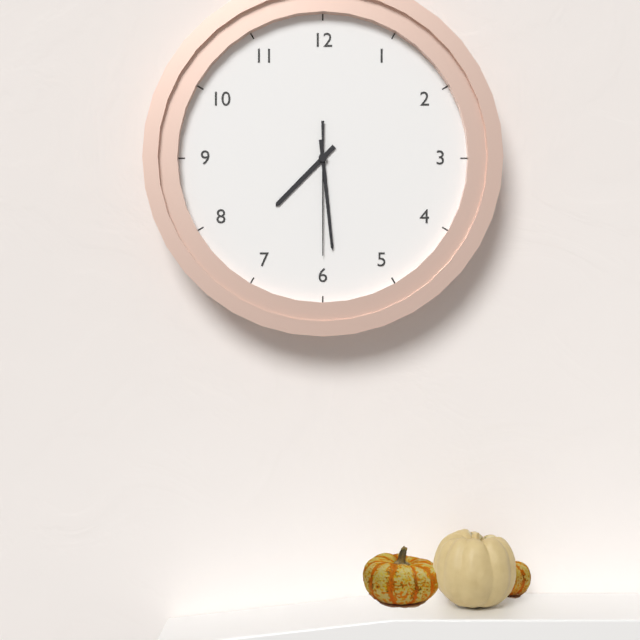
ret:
7:29:30
